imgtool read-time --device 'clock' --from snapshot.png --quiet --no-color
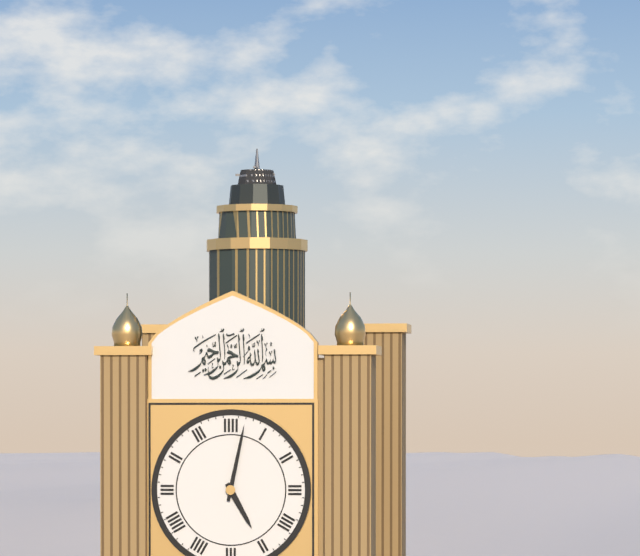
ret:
5:02
